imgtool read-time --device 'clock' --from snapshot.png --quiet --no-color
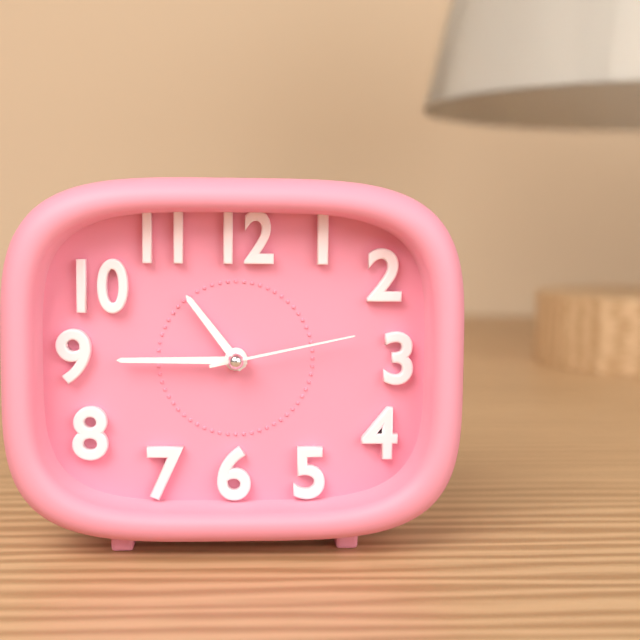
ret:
10:45:13
